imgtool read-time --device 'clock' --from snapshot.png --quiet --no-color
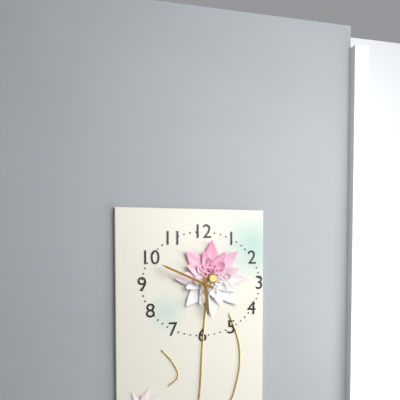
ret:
5:49
